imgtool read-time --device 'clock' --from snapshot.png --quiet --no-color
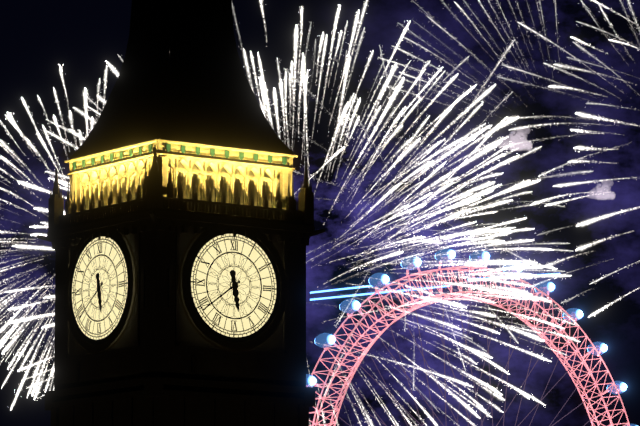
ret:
5:39
